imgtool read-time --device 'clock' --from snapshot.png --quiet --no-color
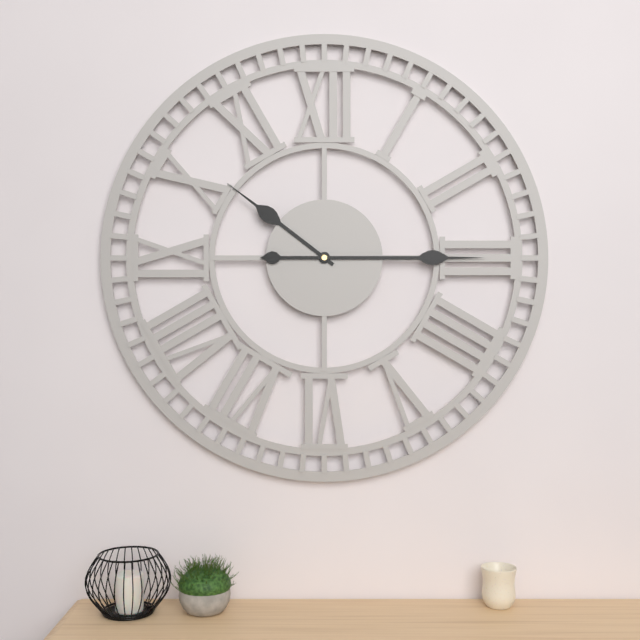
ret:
10:15
